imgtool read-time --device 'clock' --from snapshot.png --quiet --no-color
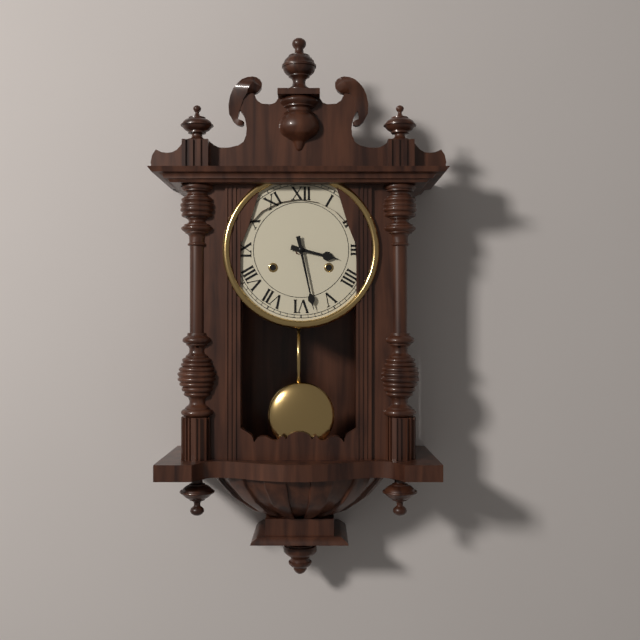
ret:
3:28
